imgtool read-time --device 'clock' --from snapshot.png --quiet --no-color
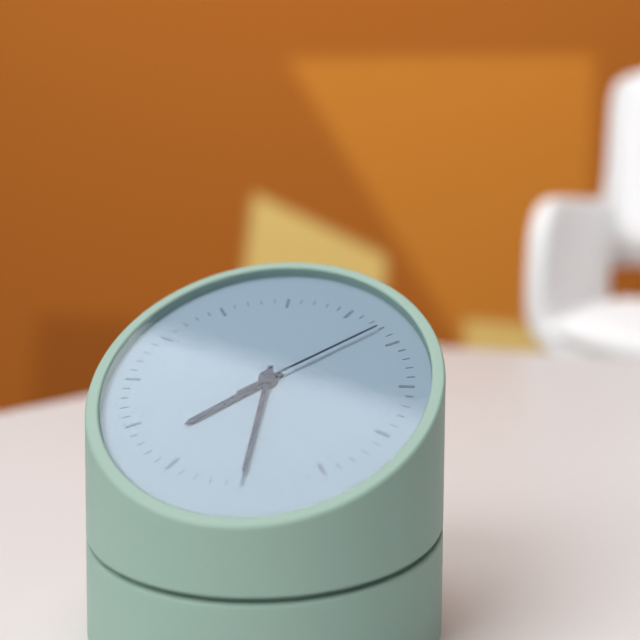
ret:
7:30:08
